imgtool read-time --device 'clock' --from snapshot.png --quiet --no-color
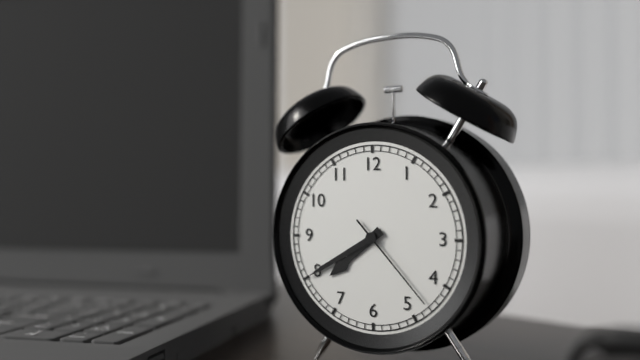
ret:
7:40:23
